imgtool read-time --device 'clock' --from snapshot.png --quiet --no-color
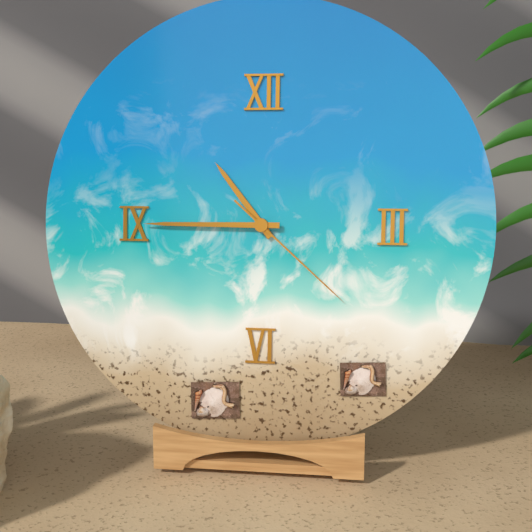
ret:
10:45:22
